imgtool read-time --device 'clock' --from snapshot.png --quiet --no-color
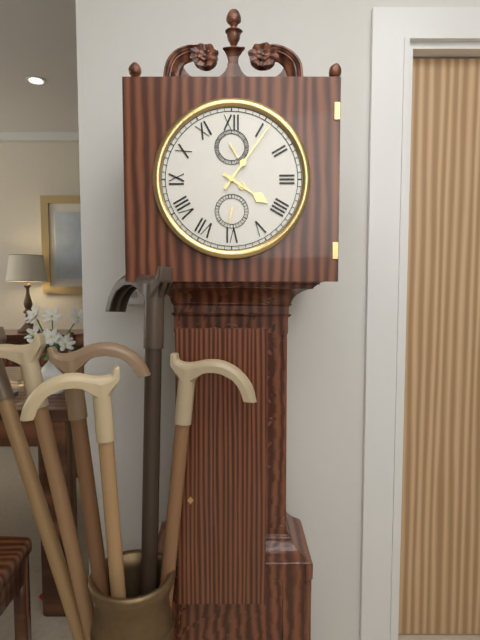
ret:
4:06
